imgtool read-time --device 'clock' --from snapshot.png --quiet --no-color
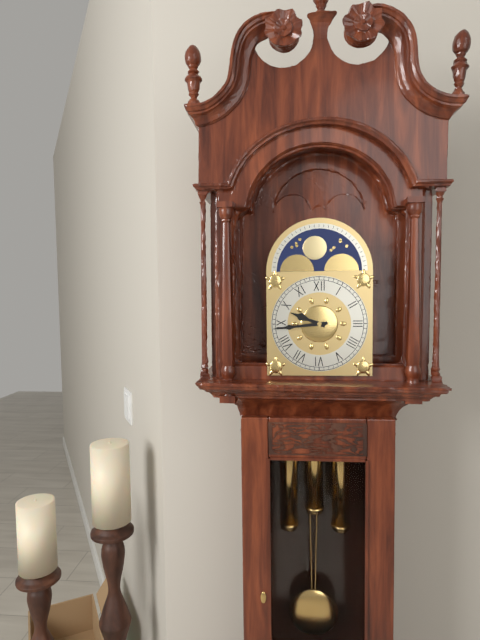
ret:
9:44
